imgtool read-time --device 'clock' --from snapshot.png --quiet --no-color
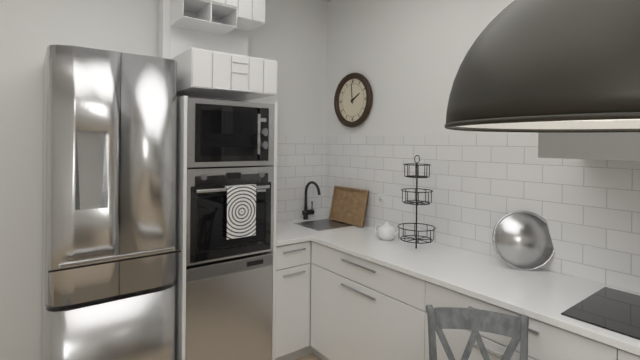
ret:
1:59
